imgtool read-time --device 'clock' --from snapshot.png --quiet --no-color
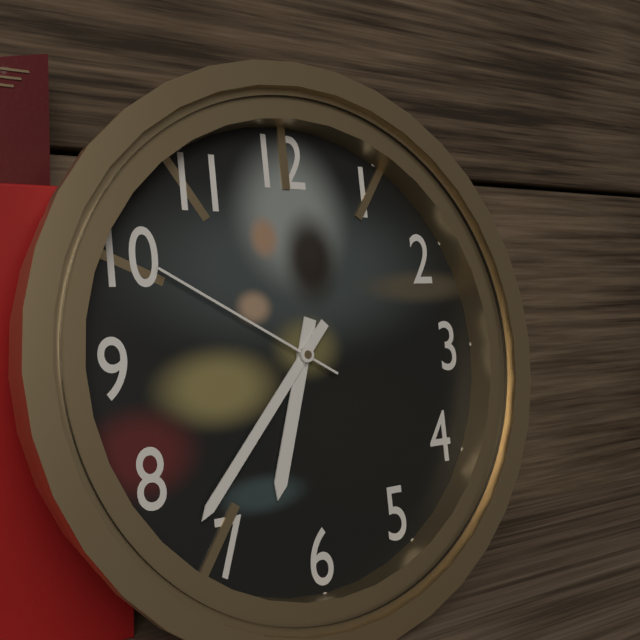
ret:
6:37:50
